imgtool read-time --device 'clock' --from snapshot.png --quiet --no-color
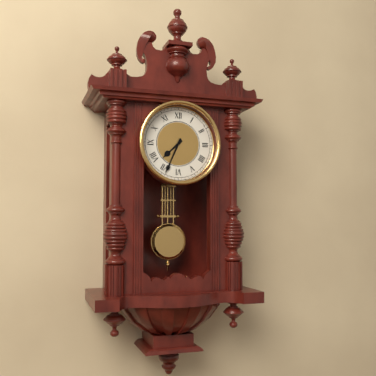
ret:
7:34
